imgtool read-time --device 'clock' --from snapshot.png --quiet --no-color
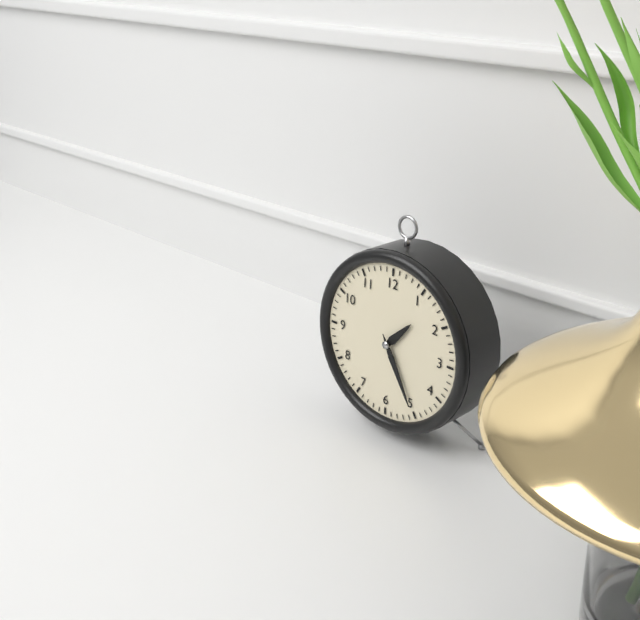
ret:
1:25
